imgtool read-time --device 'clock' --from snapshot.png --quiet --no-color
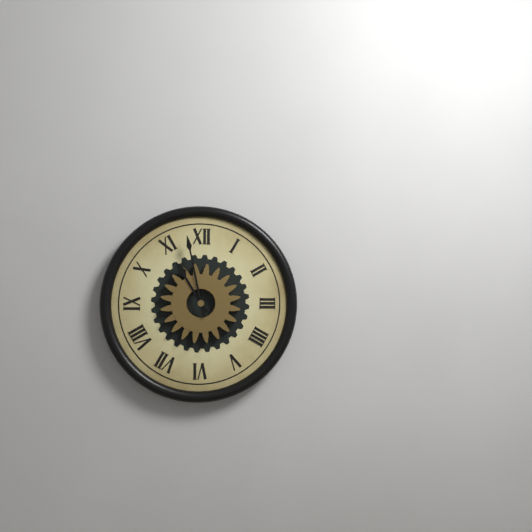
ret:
10:58
